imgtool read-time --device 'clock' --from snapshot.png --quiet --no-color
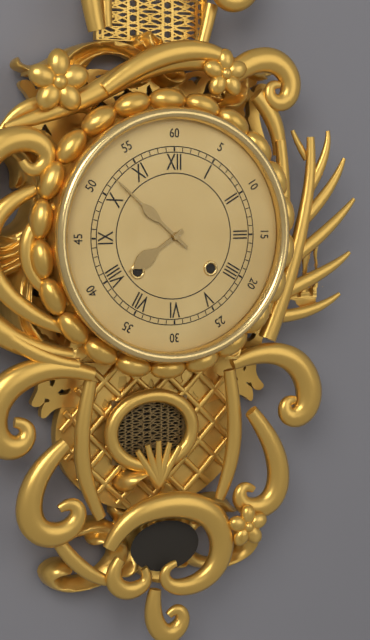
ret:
7:52
